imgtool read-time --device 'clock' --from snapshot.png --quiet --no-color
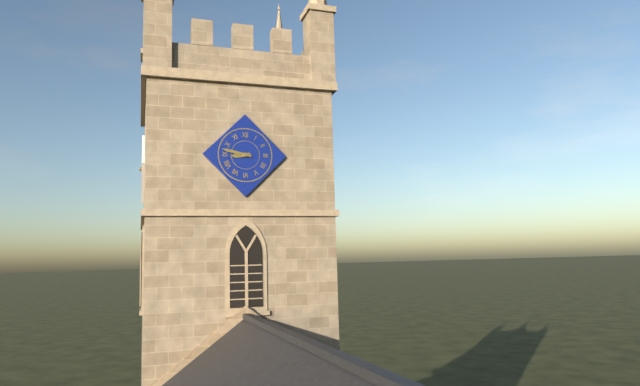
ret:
8:47
